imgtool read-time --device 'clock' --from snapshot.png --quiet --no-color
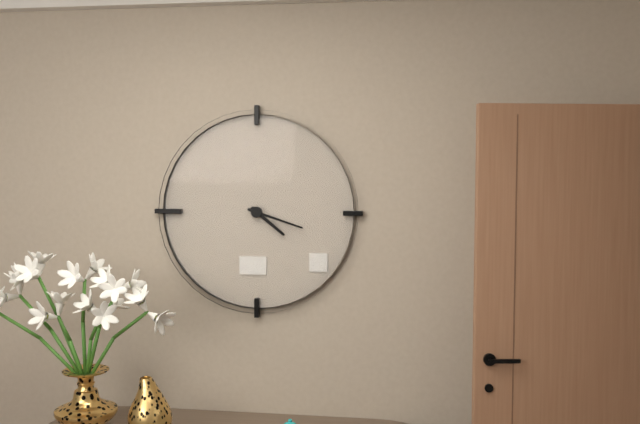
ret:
4:18
